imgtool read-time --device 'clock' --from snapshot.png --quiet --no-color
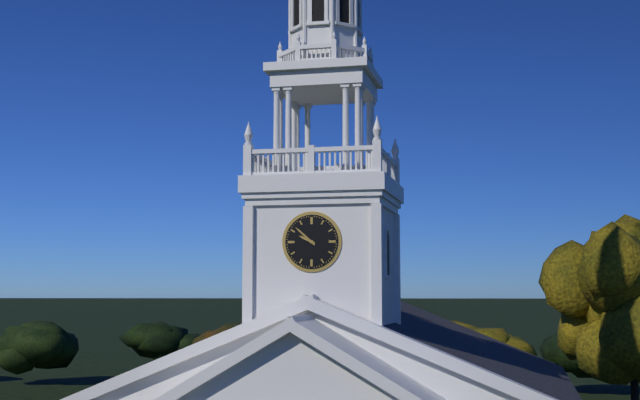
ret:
9:52
